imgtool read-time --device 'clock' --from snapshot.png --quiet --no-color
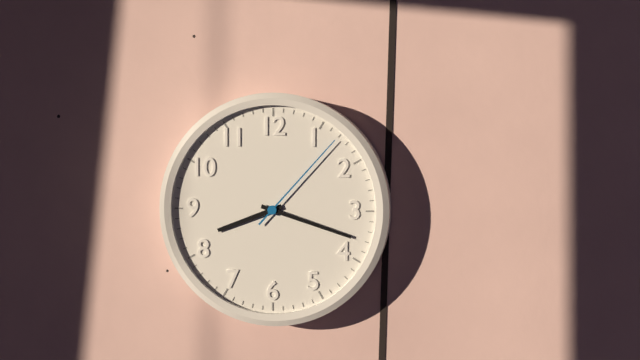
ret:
8:18:07
